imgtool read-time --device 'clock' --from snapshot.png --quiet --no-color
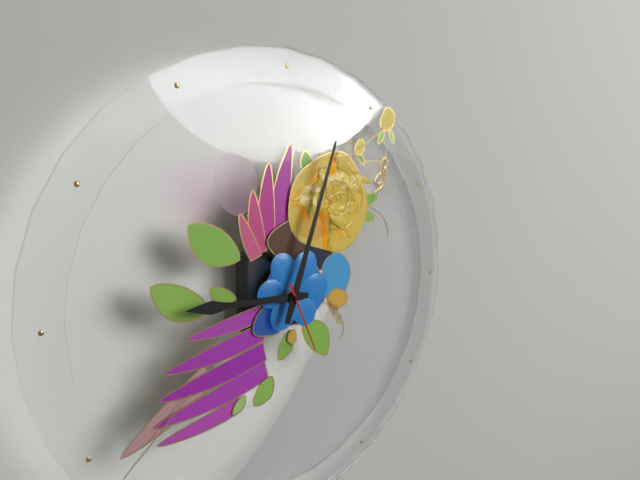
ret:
9:03:26
